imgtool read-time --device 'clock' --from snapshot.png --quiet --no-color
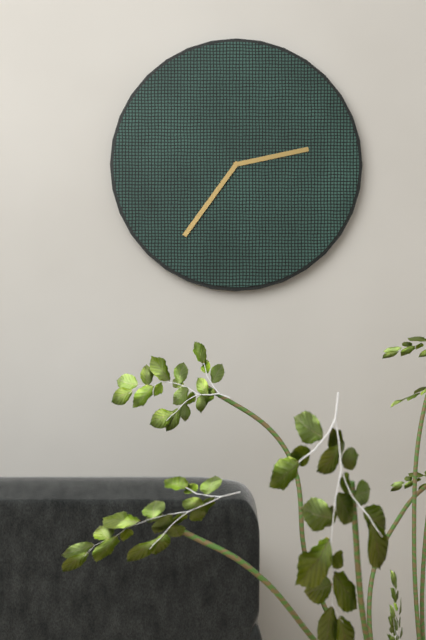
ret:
2:36
